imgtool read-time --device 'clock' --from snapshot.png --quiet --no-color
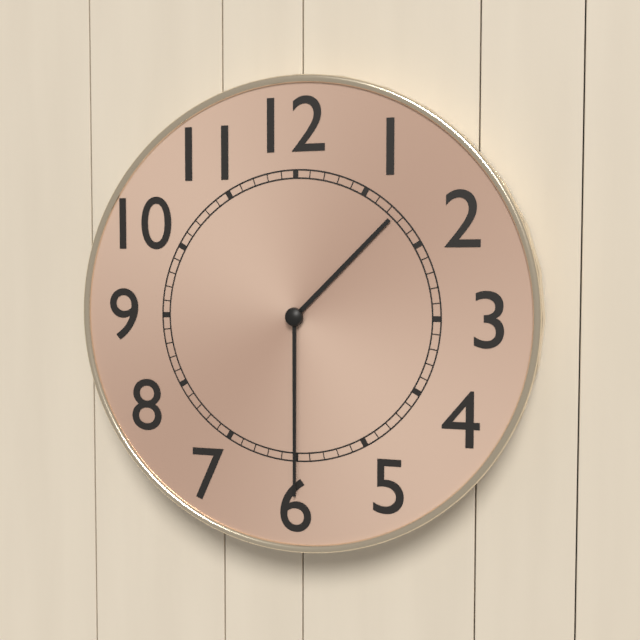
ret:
1:30
